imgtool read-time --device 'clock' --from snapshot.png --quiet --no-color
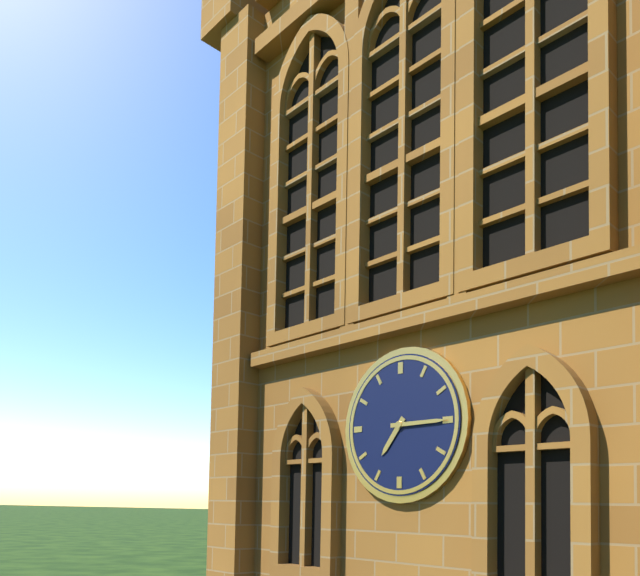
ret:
7:15
